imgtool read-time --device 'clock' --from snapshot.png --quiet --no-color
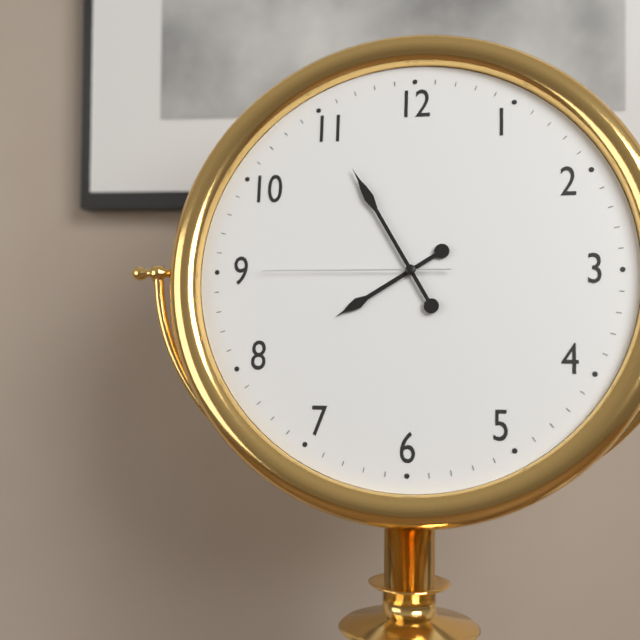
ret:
7:55:45
